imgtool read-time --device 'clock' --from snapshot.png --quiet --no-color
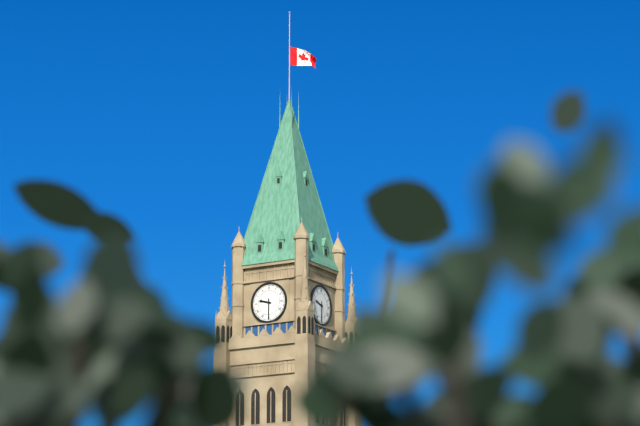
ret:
9:30
